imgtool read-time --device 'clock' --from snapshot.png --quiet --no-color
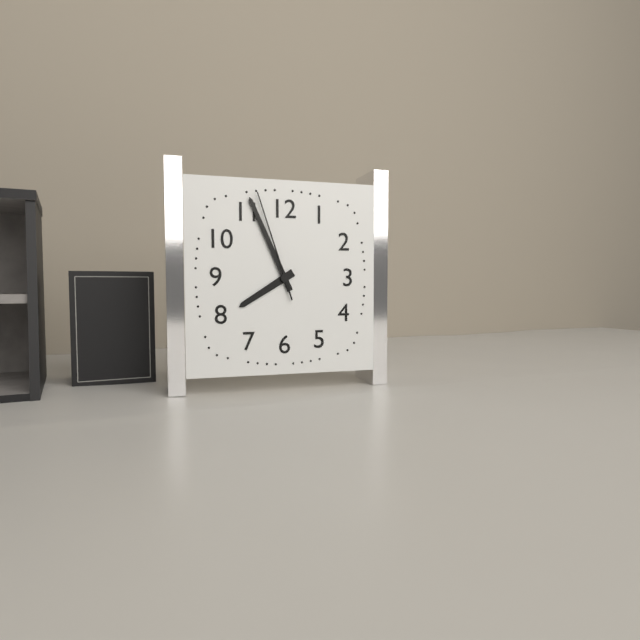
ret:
7:56:57
